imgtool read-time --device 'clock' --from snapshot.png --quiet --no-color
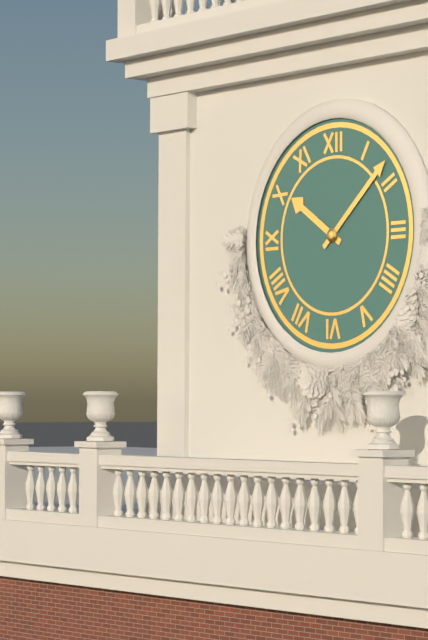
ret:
10:08
